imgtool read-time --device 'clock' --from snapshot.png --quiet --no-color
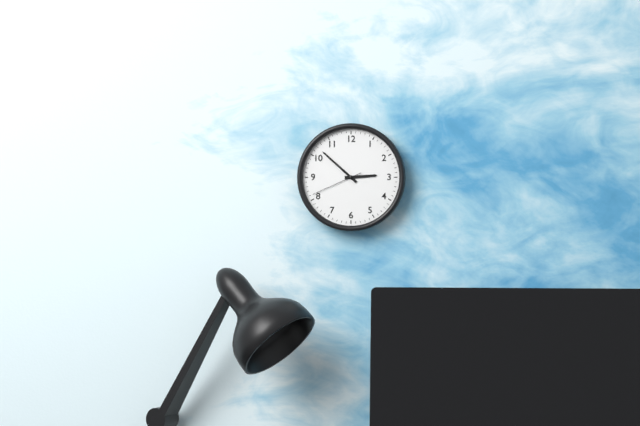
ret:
2:52:41
